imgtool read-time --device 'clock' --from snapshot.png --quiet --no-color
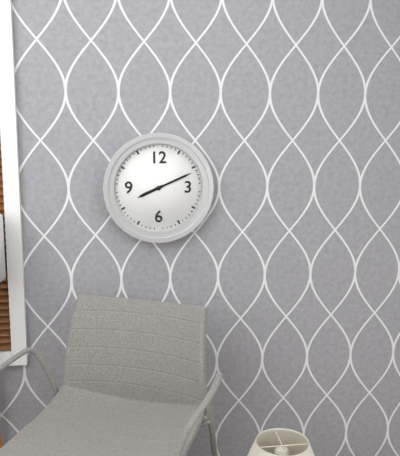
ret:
8:11
